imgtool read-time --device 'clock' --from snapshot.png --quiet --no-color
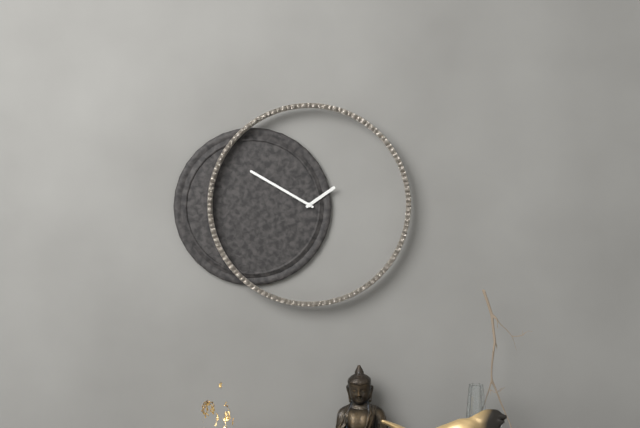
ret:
1:50
